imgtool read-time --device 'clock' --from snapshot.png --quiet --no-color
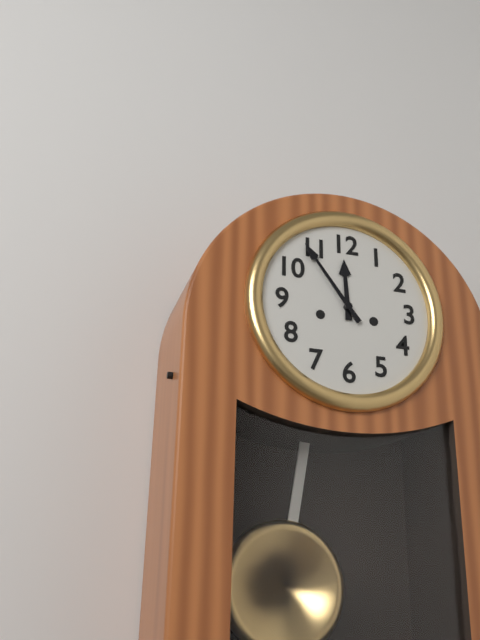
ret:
11:54
